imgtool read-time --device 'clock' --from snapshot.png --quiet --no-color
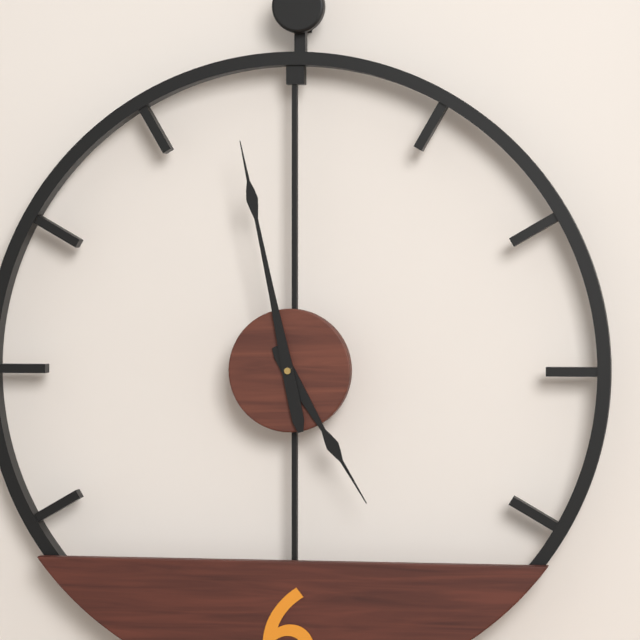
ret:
4:58
